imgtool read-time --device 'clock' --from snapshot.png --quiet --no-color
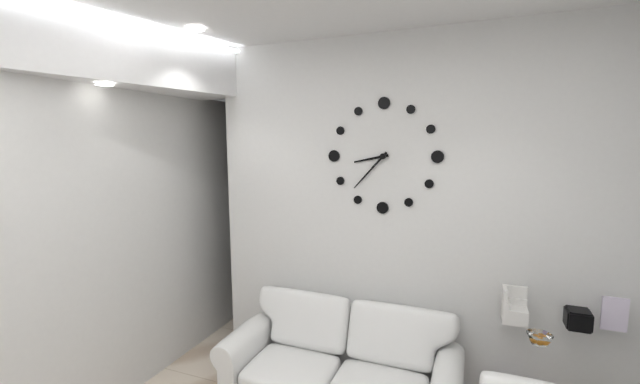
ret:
8:37
